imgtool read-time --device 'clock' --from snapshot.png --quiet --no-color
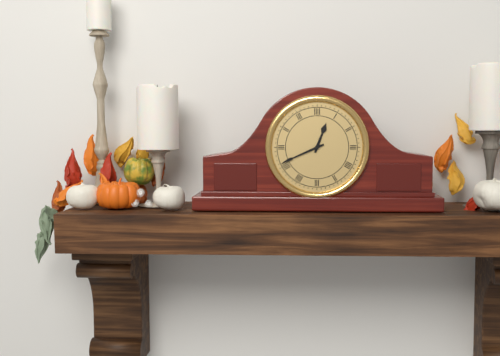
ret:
12:41
